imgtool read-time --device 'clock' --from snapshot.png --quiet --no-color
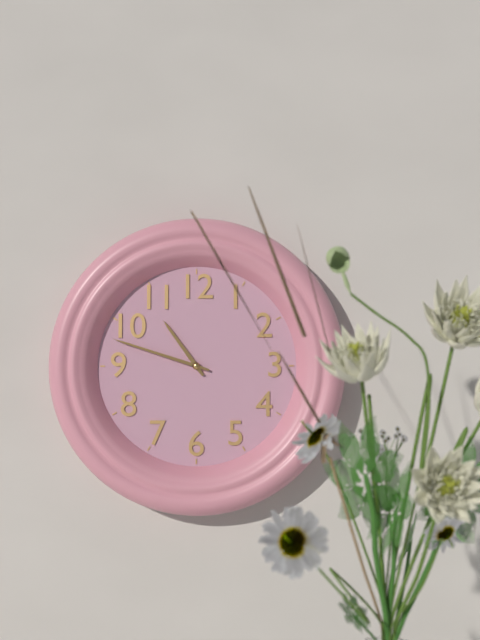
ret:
10:48
